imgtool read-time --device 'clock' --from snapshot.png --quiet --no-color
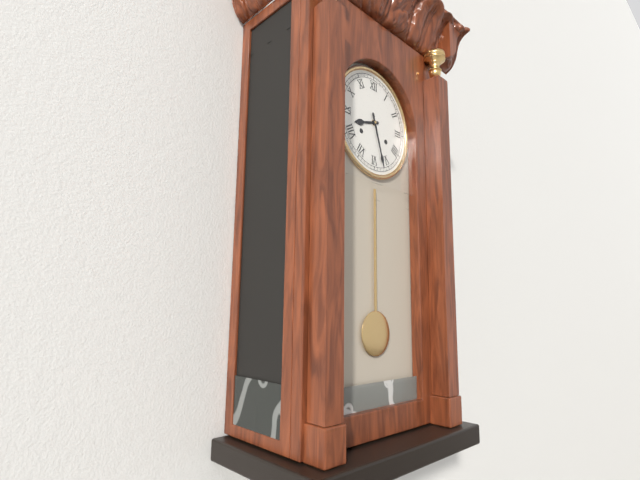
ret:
8:27
